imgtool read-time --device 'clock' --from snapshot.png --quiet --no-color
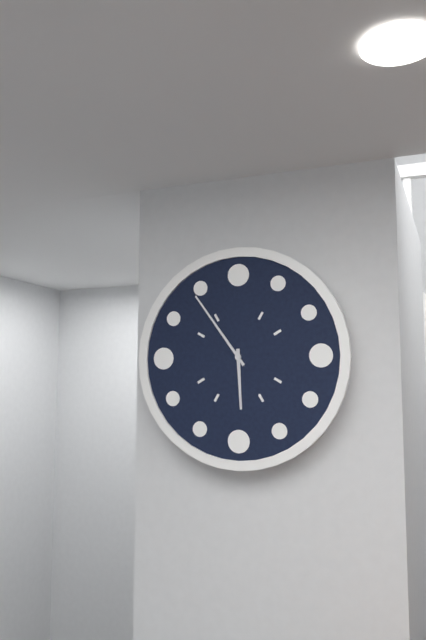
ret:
5:54
